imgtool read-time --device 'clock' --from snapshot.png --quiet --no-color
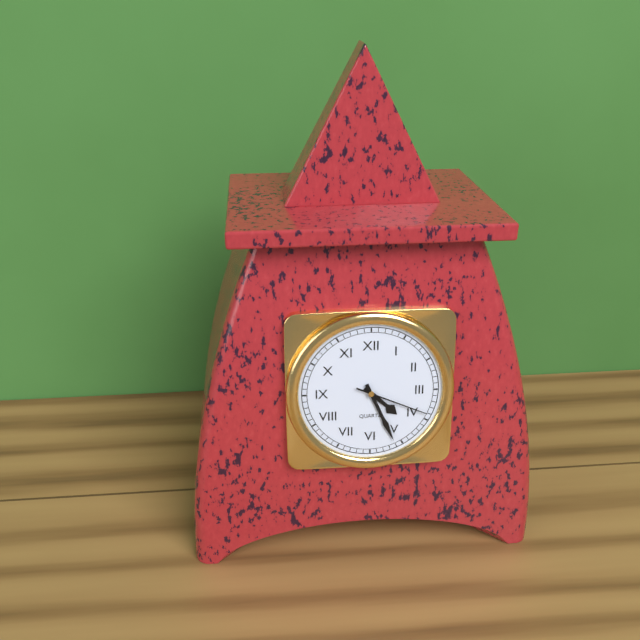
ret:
4:26:19
